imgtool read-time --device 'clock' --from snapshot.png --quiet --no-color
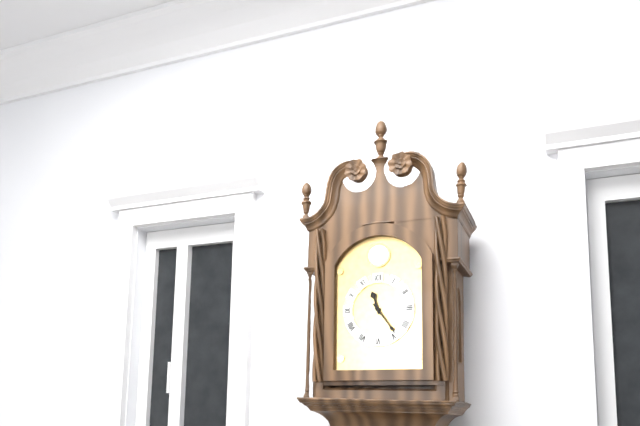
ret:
11:24
